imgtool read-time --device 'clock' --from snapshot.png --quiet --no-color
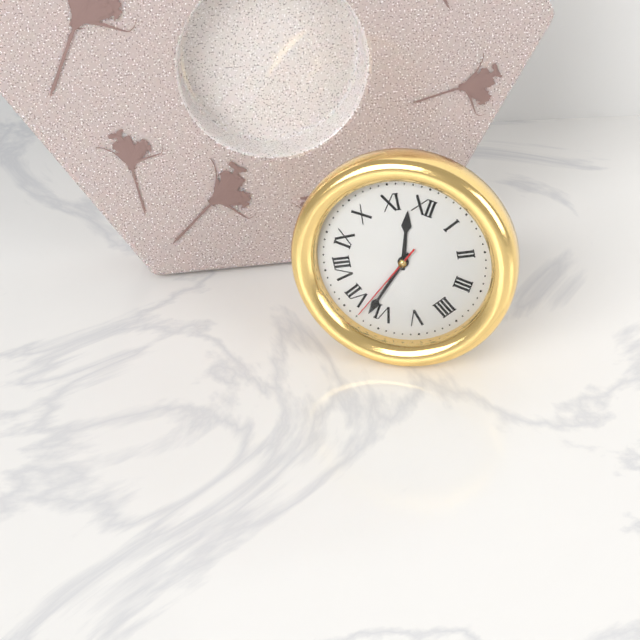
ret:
11:32:33
